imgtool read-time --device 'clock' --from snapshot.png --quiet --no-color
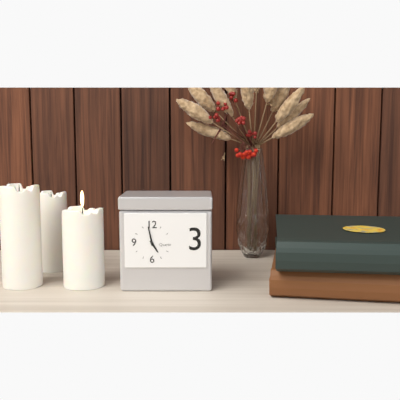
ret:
4:58
